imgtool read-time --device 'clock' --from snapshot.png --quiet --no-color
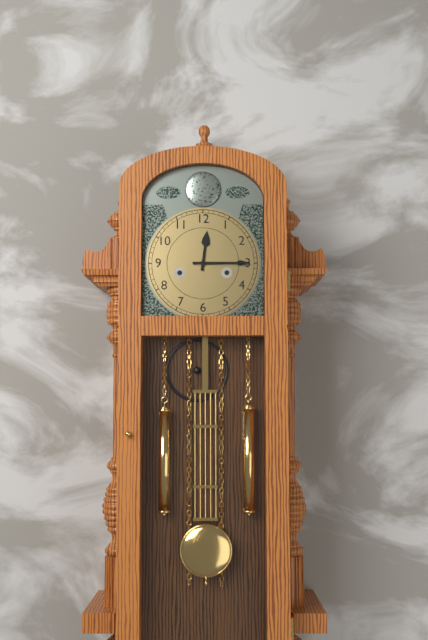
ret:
12:15
